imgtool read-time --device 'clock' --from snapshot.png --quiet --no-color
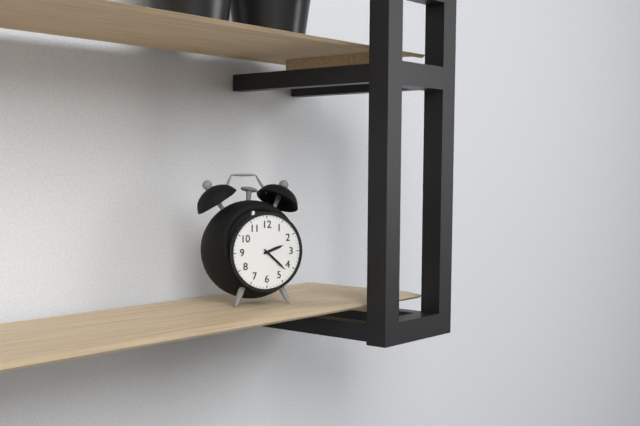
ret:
2:22
